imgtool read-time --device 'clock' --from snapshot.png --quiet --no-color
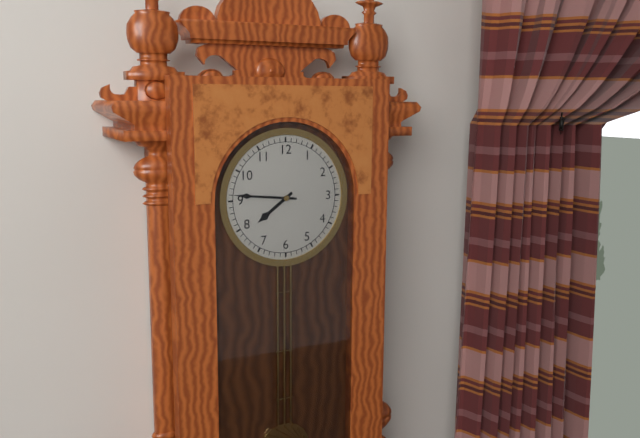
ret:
7:46
